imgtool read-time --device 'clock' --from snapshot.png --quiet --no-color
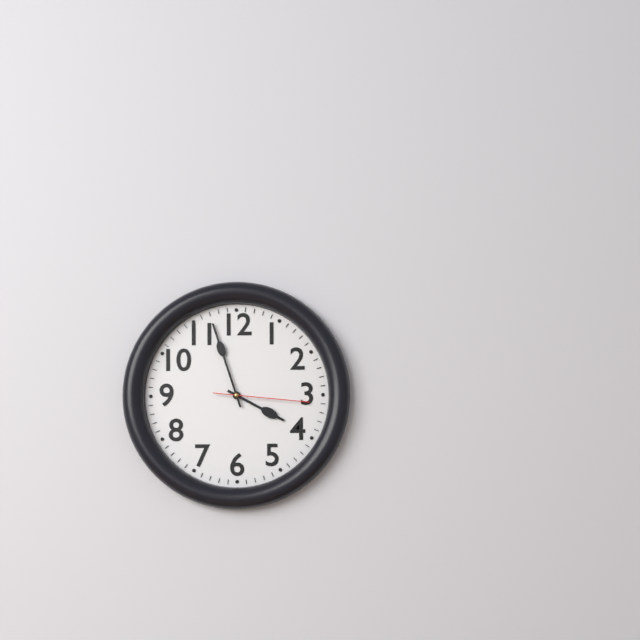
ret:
3:57:16
